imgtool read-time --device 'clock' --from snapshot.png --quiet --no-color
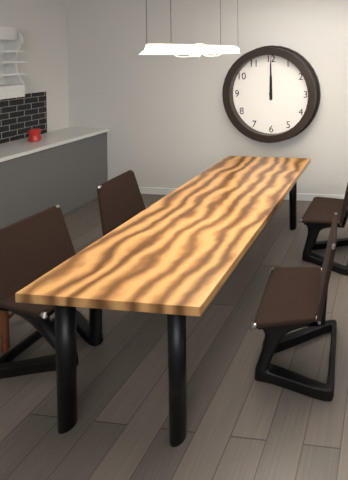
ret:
12:00
